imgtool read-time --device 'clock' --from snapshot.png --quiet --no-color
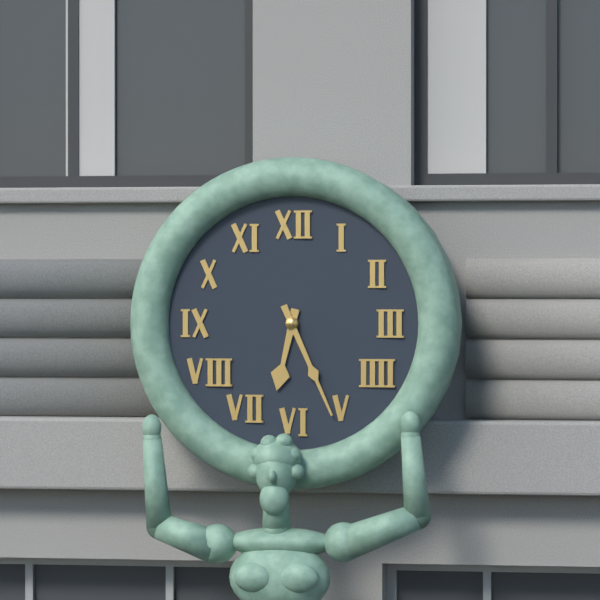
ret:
6:26
